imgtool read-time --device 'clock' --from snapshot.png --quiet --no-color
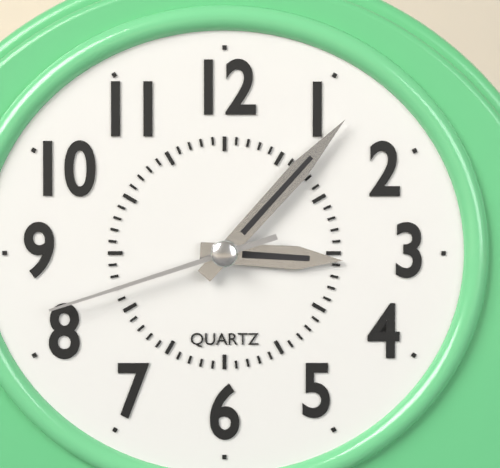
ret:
3:07:42
